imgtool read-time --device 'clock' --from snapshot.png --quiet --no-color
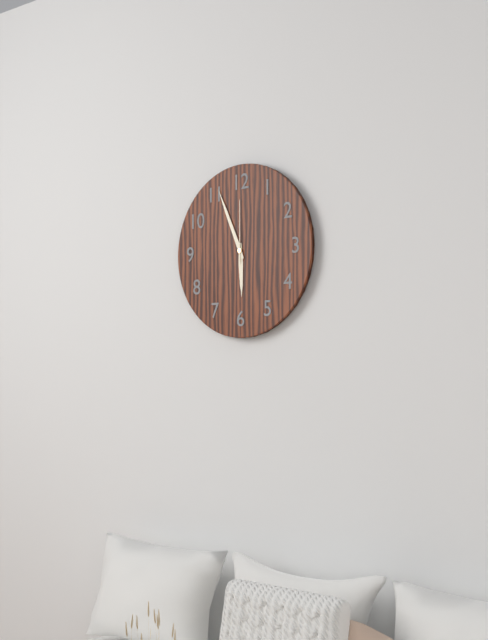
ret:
5:56:00
